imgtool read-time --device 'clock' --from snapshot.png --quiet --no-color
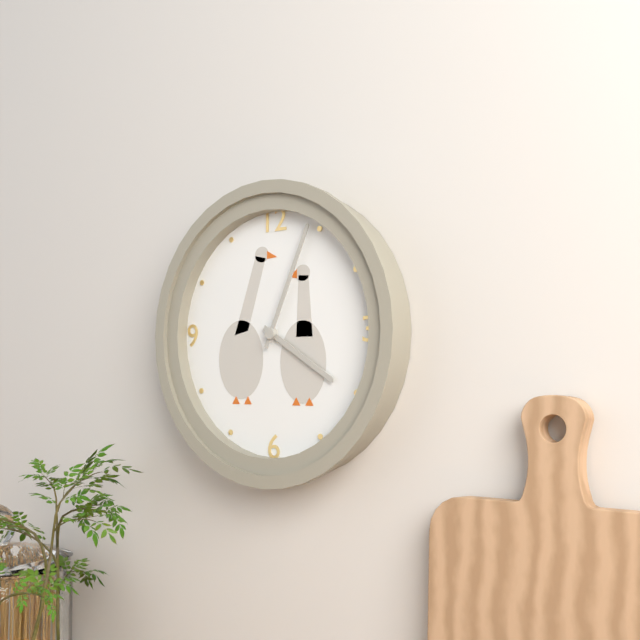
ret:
4:04
